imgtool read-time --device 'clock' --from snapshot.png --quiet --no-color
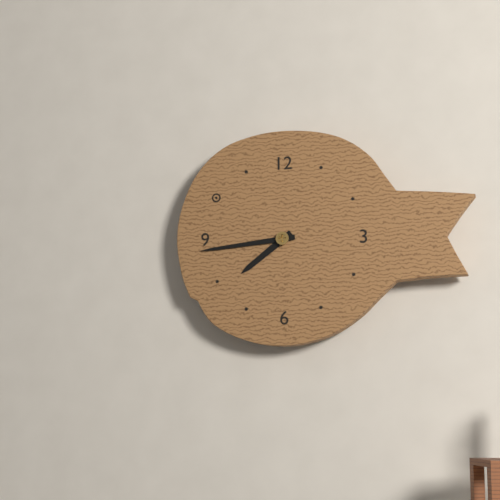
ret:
7:44
